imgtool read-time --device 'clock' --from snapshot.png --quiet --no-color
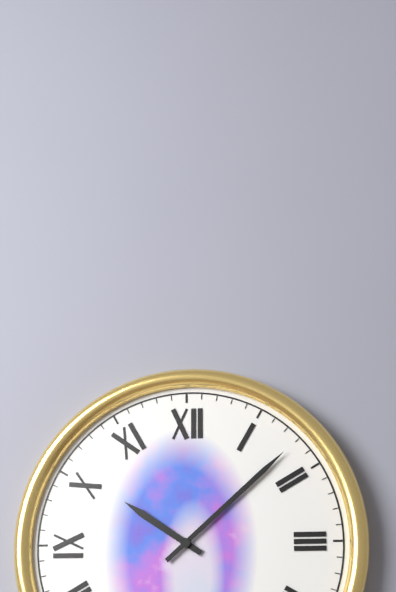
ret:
10:08
